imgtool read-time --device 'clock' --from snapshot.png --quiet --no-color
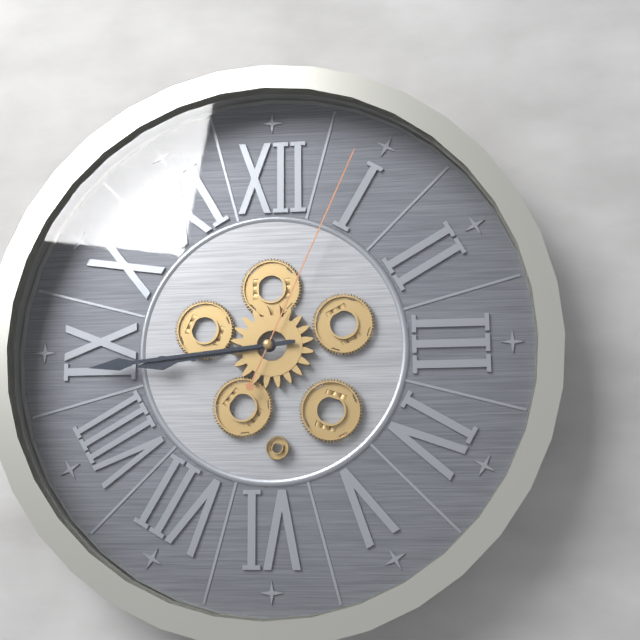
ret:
8:44:04
